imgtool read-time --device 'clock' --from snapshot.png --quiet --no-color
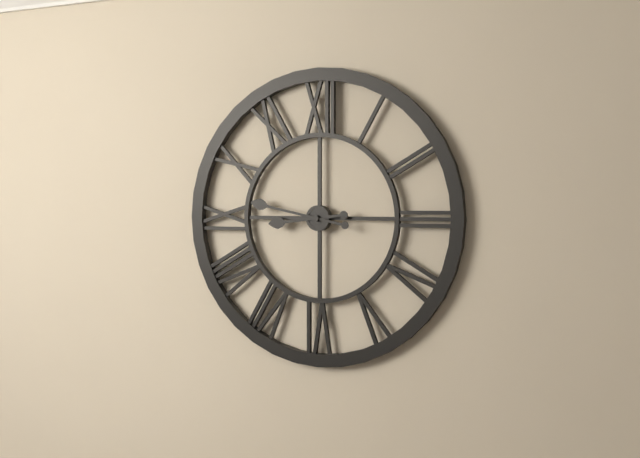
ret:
8:47
